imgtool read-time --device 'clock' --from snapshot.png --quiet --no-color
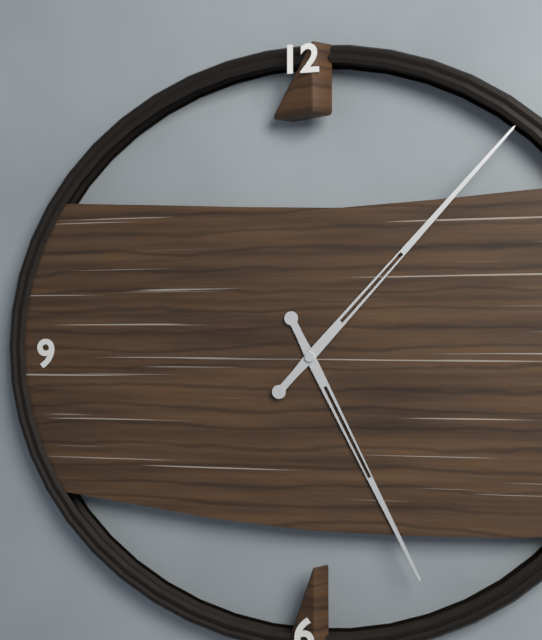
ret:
5:07
